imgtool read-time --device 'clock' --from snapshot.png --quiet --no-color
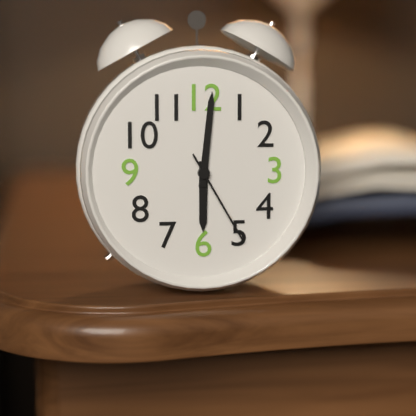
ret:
6:01:25
